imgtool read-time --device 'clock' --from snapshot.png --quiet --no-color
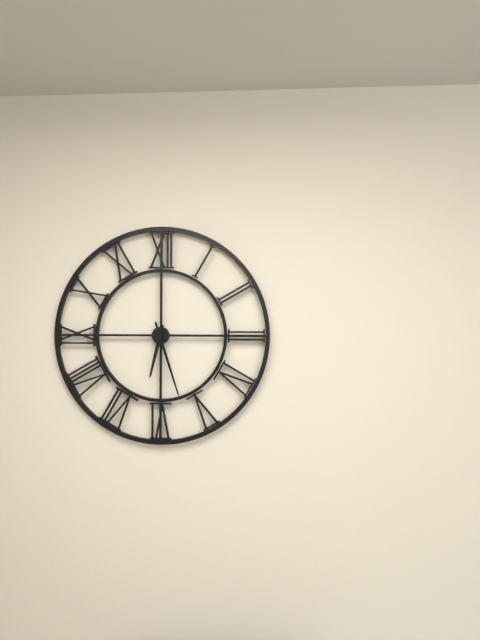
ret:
6:27
